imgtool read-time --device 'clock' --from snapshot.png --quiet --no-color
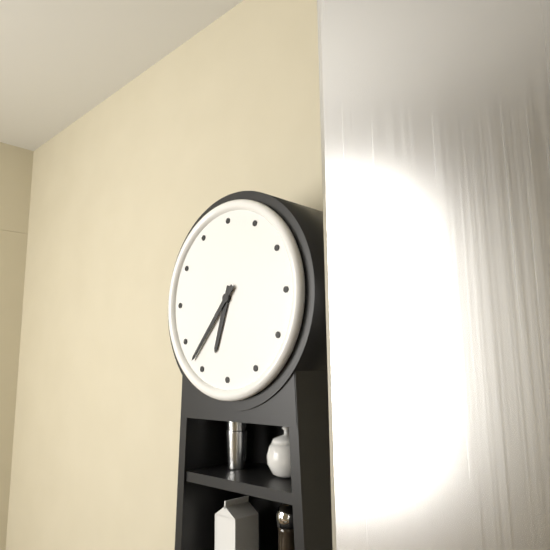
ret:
6:37
